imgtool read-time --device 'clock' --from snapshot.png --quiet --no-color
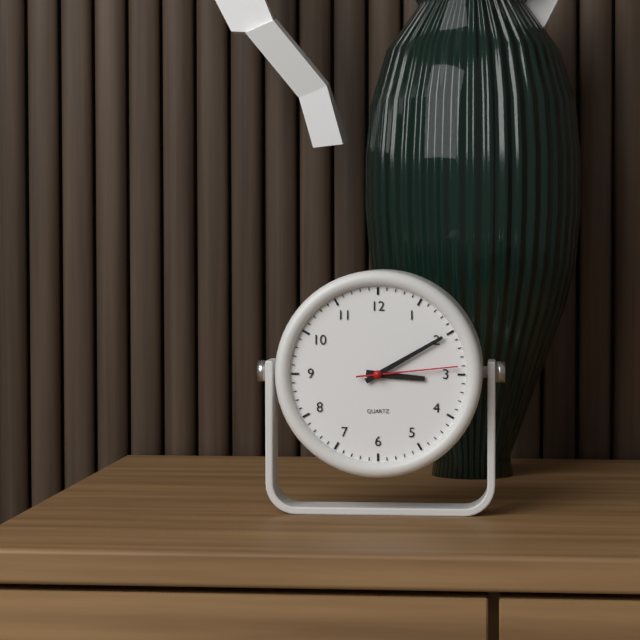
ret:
3:10:14
